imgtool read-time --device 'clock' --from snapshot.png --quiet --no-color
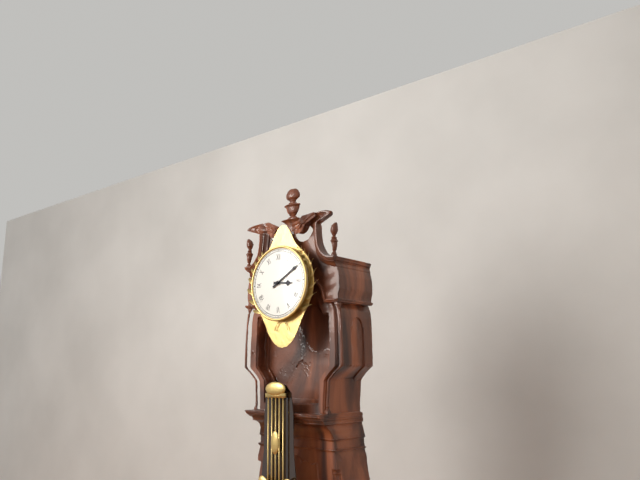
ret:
3:10
